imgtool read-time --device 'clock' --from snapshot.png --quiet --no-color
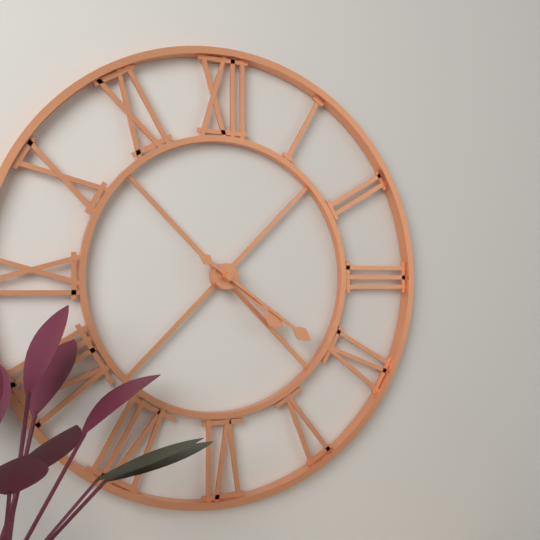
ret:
4:21
